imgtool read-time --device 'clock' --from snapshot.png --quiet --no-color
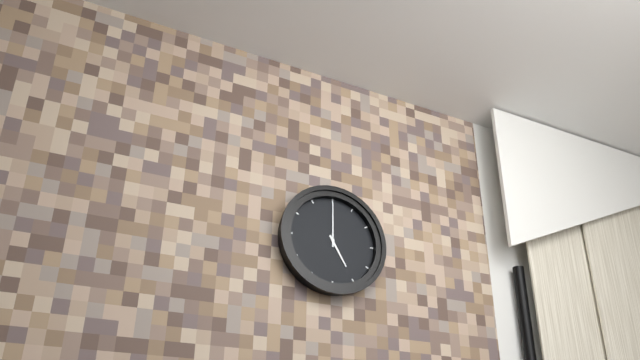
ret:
5:00
